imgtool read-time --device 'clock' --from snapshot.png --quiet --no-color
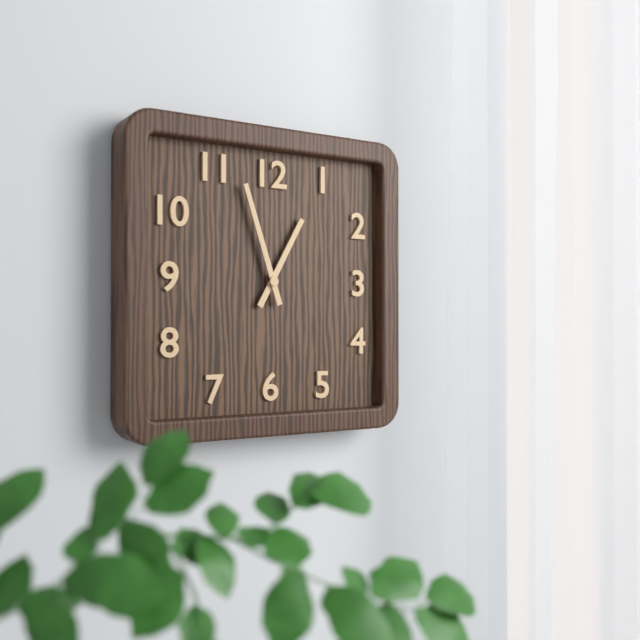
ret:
12:57
